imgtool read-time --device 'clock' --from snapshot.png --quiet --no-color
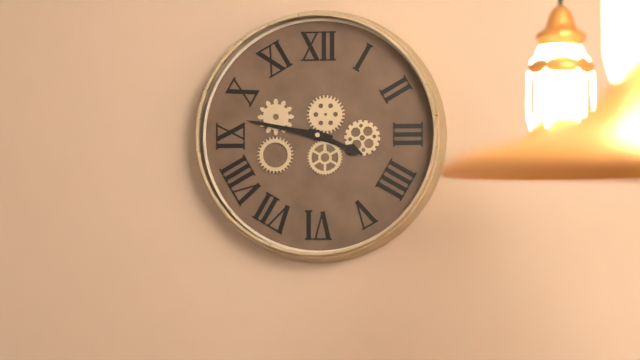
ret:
3:47
